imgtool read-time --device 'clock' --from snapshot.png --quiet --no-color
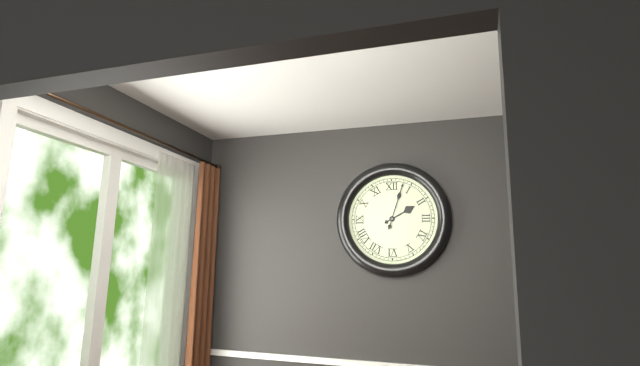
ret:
2:03
